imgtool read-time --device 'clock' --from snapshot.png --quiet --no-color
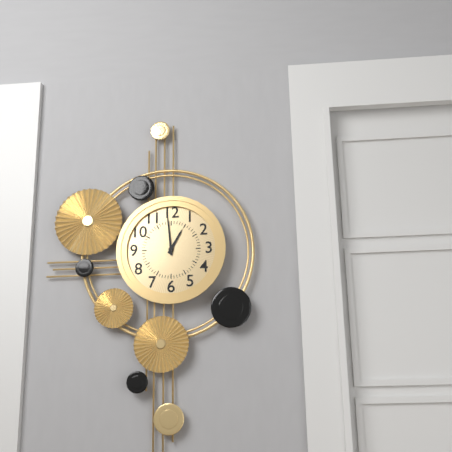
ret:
12:59
